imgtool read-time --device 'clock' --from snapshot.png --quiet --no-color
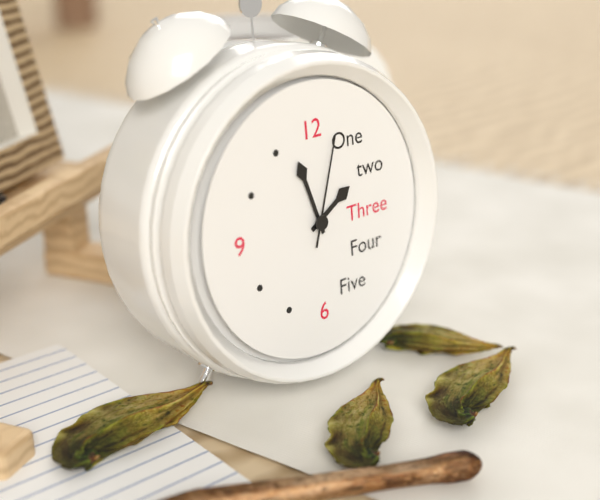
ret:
1:57:03
